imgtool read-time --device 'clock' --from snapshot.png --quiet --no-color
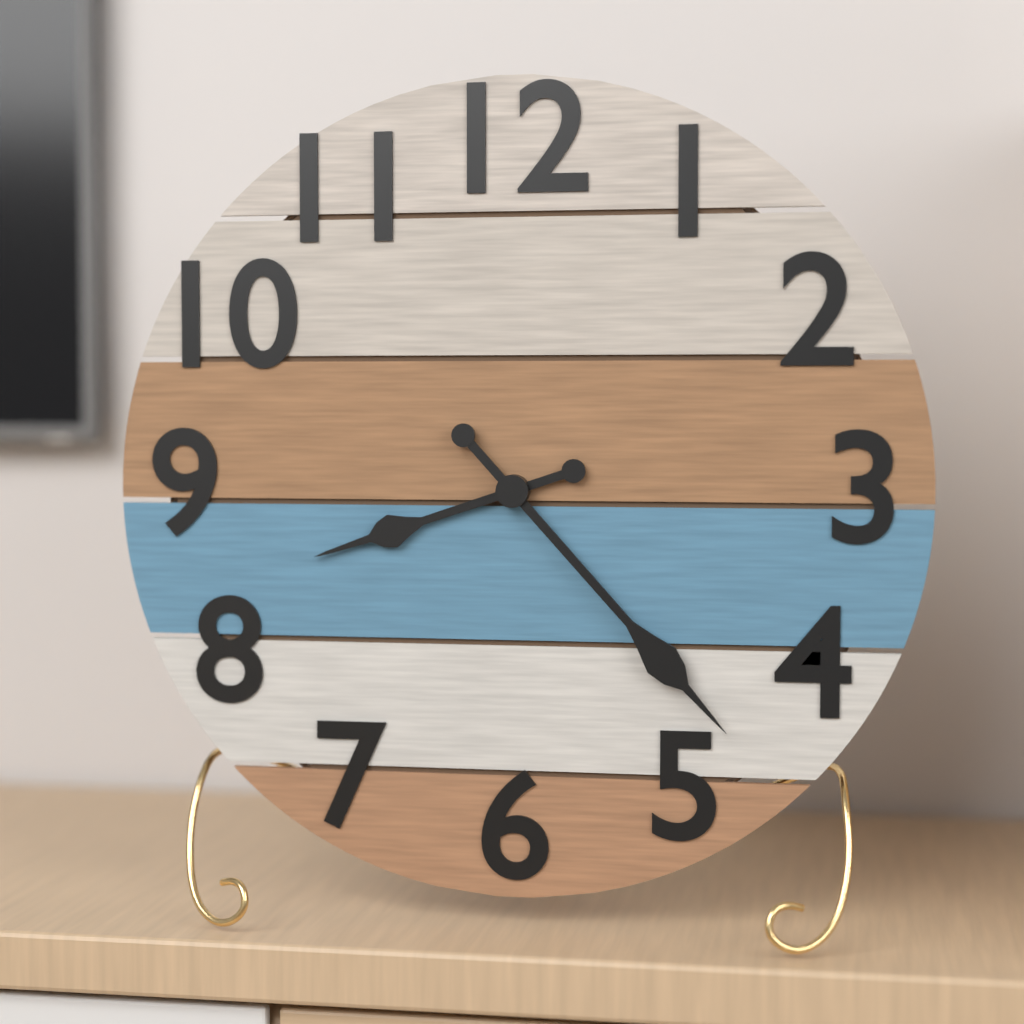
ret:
8:23
